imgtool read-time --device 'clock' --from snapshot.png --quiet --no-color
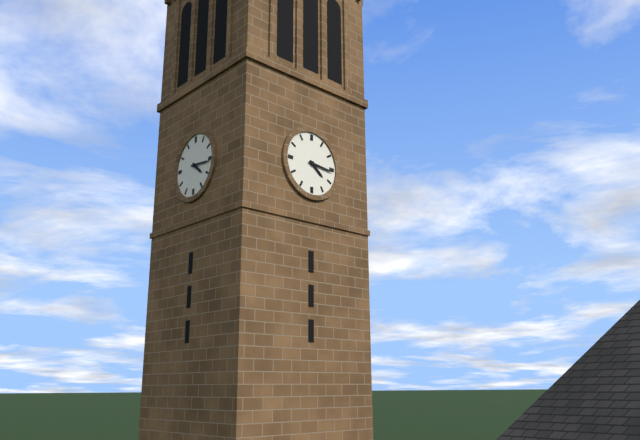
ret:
4:16
